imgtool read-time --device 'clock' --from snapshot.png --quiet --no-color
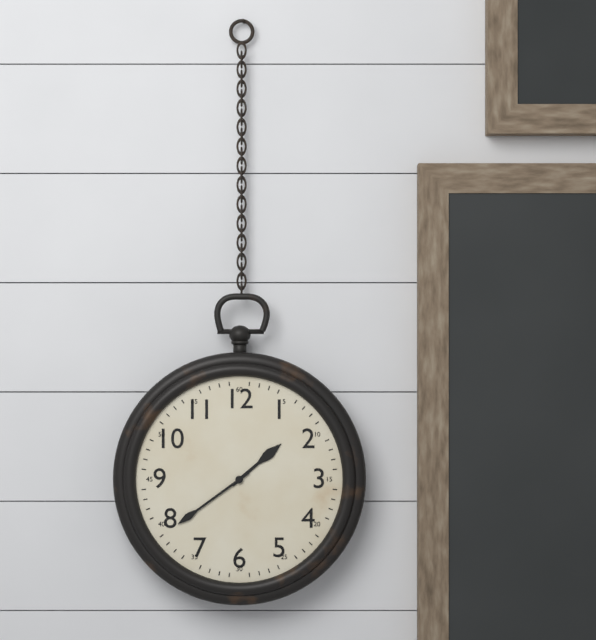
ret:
1:39
